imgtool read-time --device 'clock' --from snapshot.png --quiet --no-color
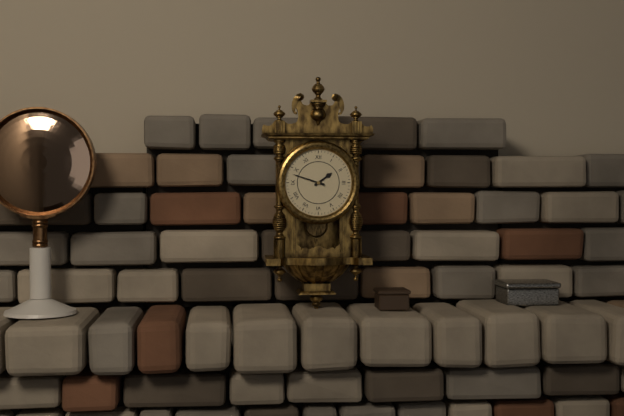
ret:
1:48
